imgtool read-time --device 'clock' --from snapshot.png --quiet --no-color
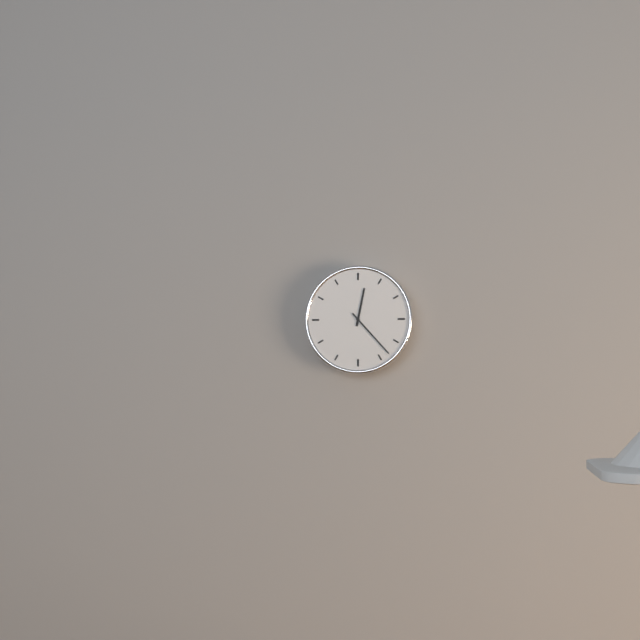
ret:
12:23
